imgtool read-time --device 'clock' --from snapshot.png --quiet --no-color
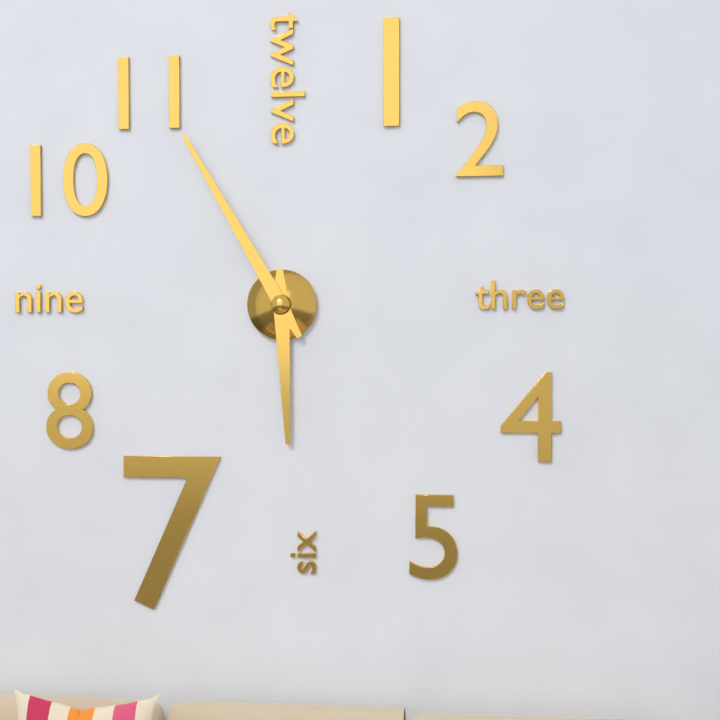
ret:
5:55
